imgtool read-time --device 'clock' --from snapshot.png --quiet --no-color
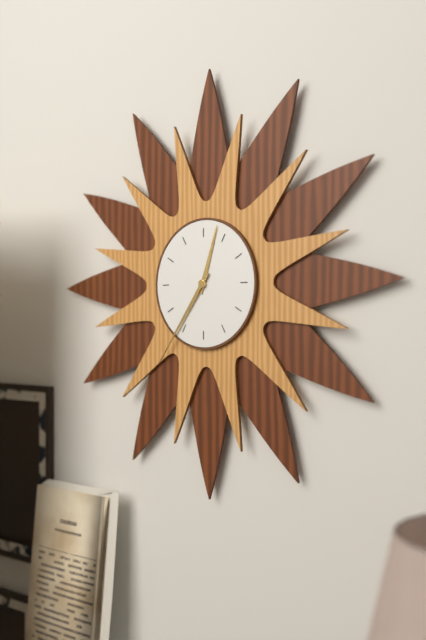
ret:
12:36
